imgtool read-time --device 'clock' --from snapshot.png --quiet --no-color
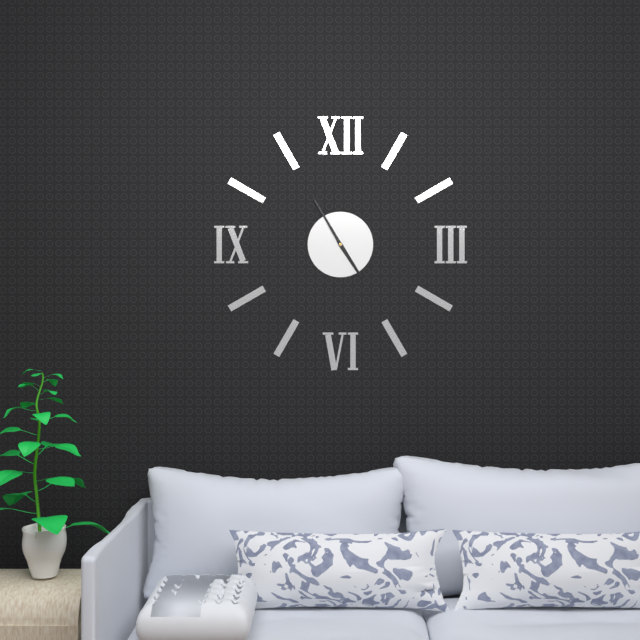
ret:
4:55:55
